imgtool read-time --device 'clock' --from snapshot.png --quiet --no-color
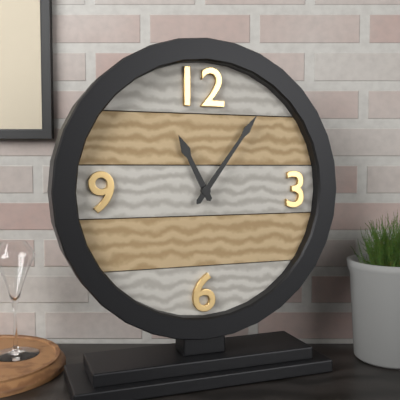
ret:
11:06
